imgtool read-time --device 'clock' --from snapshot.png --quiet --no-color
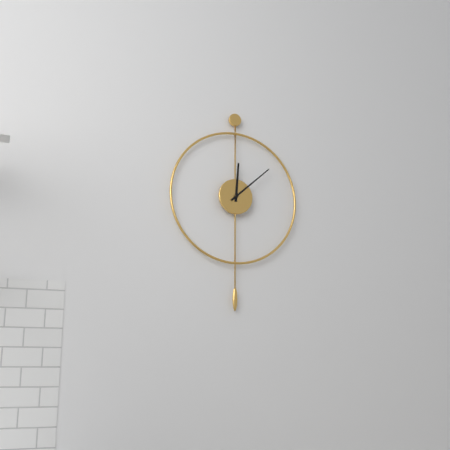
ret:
12:08
